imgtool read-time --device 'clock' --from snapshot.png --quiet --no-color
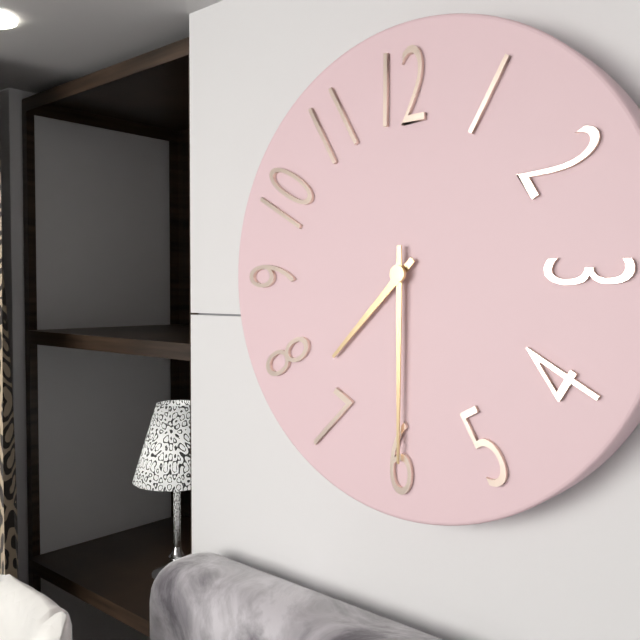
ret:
7:30
